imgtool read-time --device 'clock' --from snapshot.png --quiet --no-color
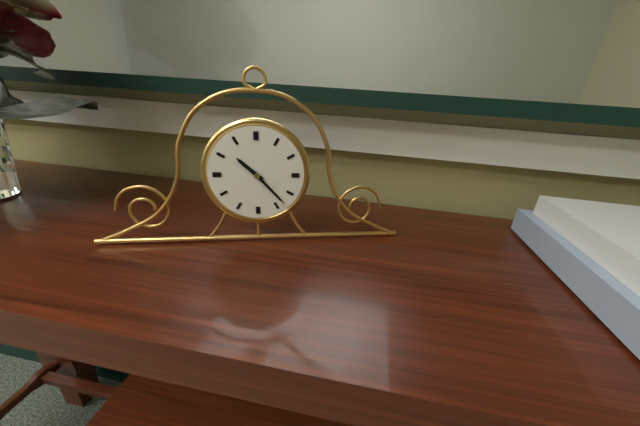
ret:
10:23
